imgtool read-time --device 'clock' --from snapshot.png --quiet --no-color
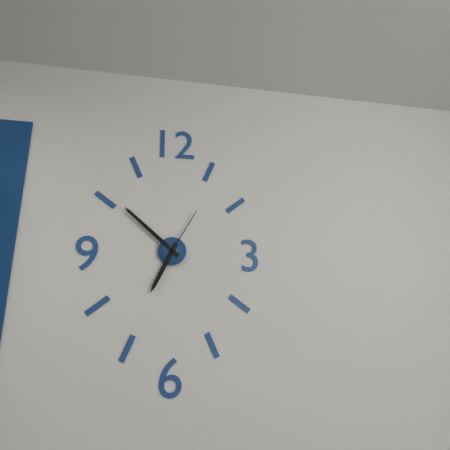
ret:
6:52:05
